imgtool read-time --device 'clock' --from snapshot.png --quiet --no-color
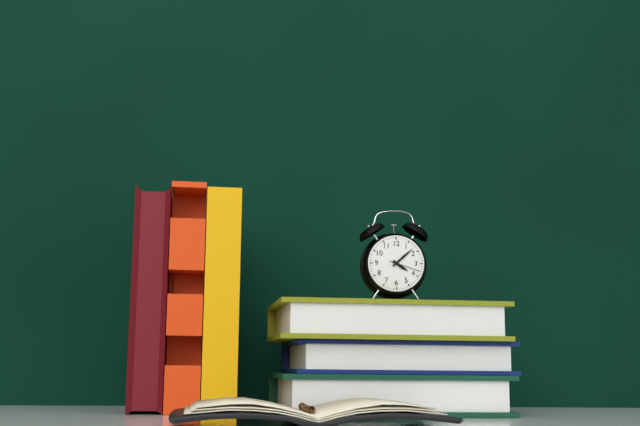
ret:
4:08
